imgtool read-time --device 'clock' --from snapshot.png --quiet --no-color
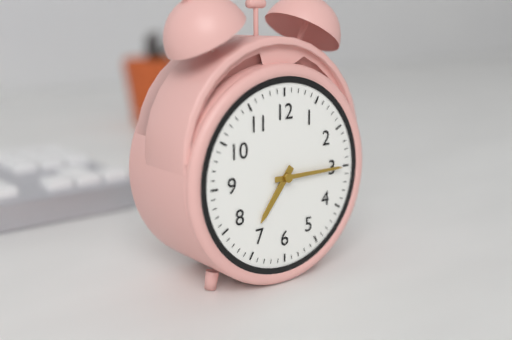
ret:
7:15
